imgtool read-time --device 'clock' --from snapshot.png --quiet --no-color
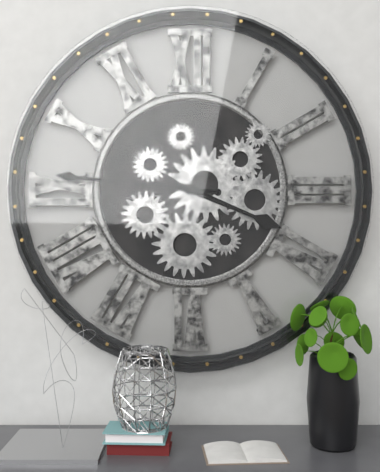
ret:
3:46
